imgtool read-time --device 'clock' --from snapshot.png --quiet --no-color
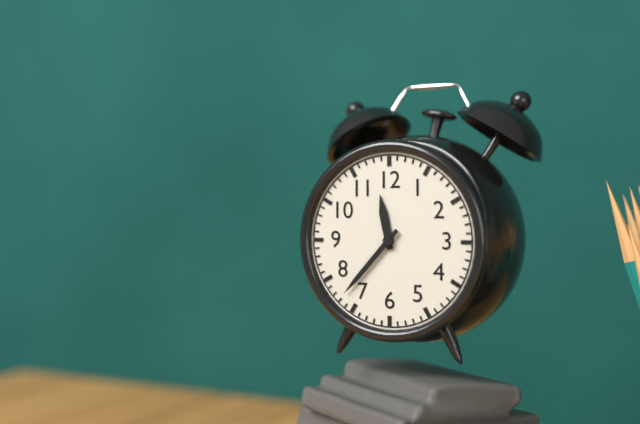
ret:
11:37
